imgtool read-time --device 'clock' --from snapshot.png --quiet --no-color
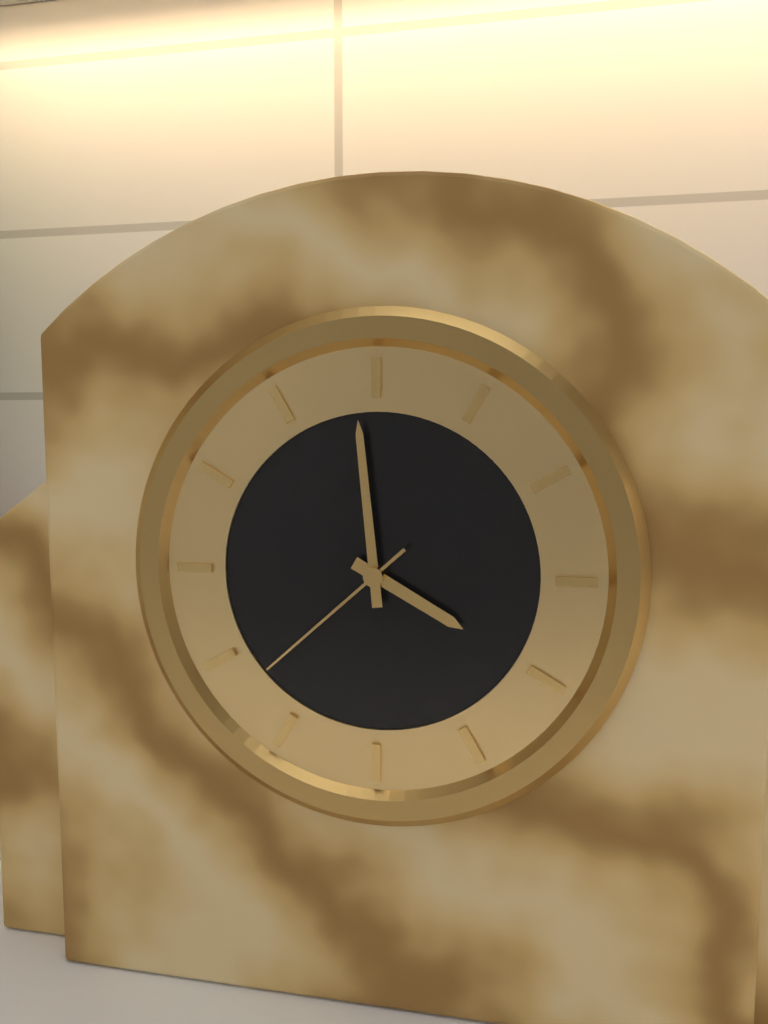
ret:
3:59:38
